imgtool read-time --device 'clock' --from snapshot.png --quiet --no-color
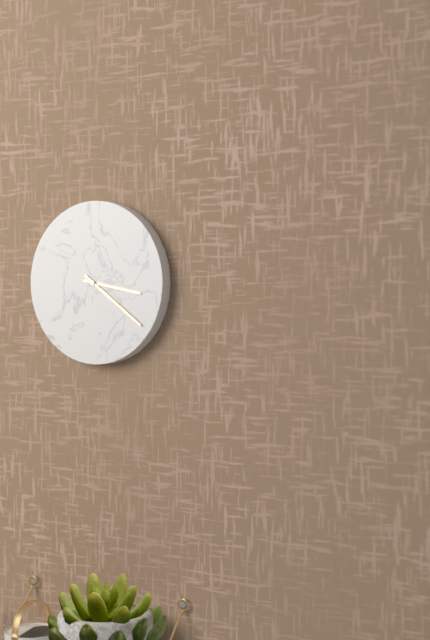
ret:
3:21
